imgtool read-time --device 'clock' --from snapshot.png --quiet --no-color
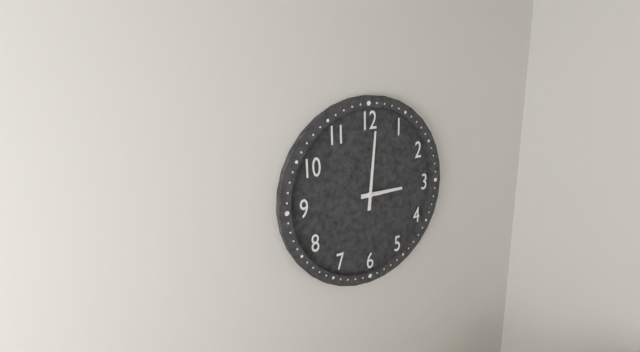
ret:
3:01
